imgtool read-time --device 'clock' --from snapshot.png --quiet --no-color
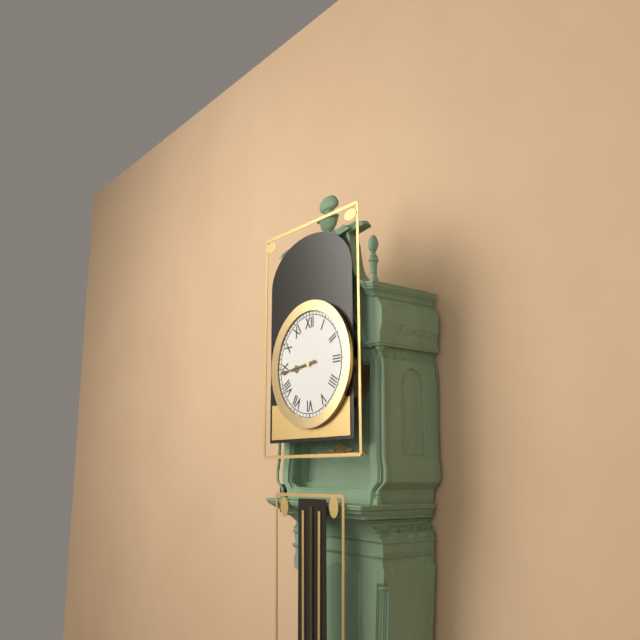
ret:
8:44
